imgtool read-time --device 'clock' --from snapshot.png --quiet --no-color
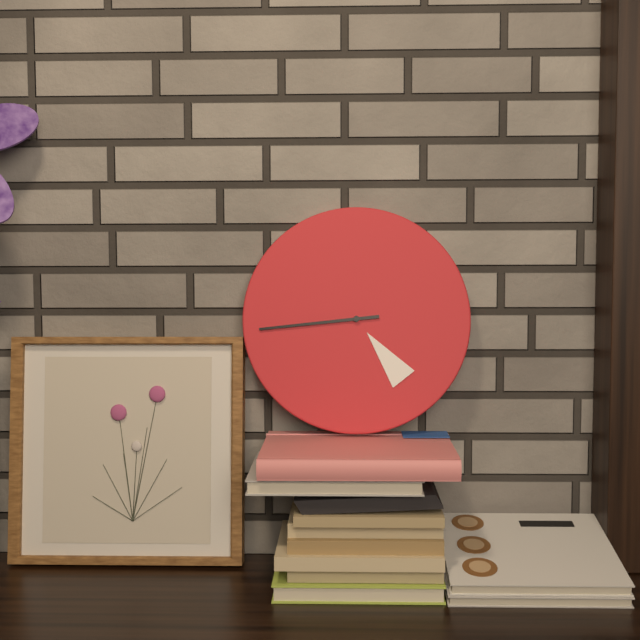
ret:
4:44
